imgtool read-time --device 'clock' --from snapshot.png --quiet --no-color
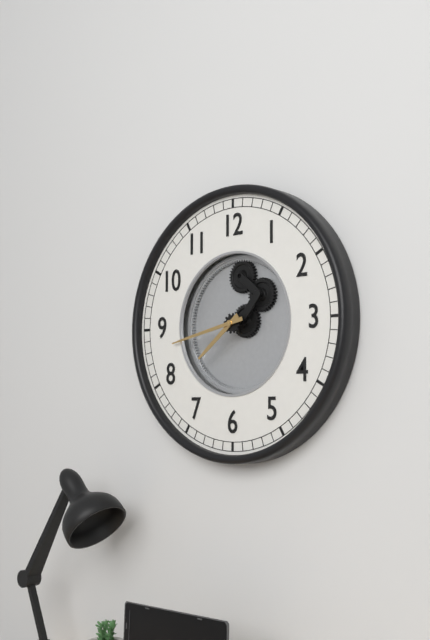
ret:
7:43
